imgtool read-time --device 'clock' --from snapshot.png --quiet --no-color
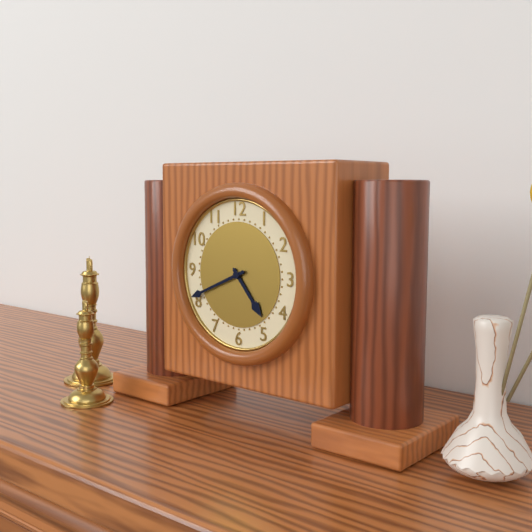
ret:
4:41
